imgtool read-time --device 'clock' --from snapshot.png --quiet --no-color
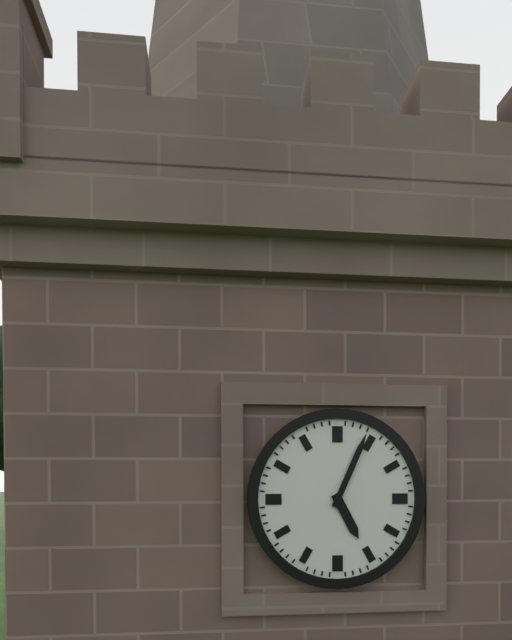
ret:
5:04
